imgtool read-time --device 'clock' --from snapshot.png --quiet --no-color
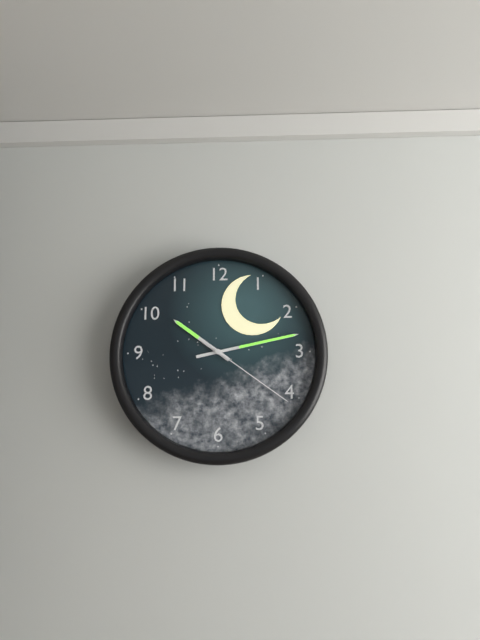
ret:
10:13:21
